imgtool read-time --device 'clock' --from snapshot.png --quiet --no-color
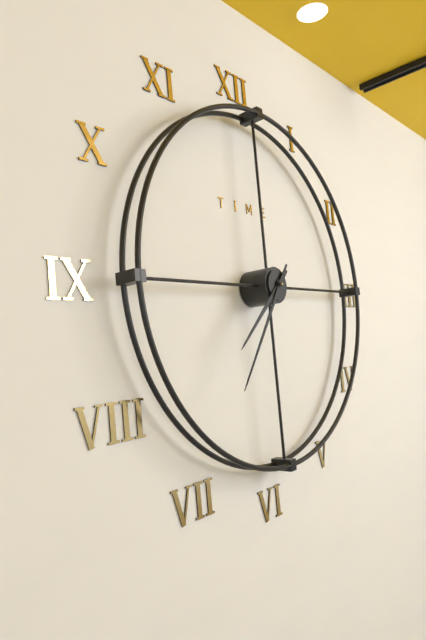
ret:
7:36
